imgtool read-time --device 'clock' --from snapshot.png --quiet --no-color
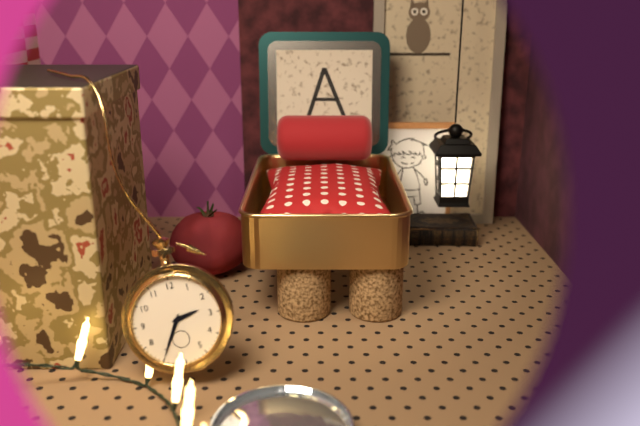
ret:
2:35
